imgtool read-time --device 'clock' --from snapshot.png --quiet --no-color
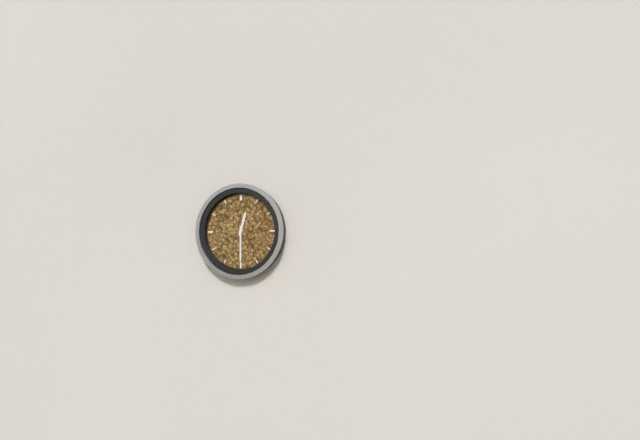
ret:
12:30
